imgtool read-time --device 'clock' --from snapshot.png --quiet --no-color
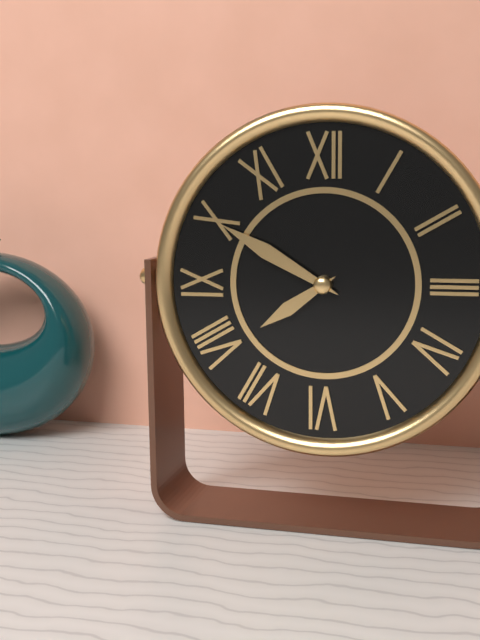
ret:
7:50
